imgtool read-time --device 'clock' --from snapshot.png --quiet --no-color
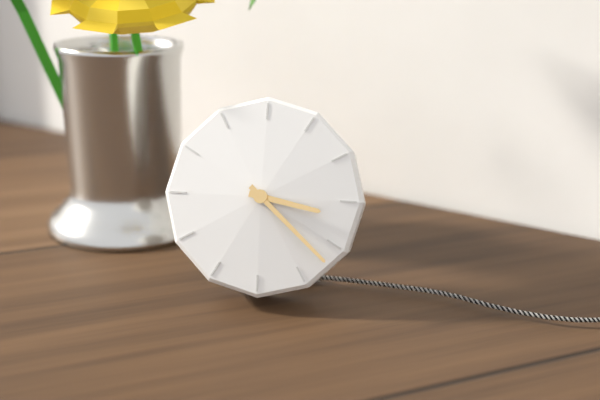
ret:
3:22
